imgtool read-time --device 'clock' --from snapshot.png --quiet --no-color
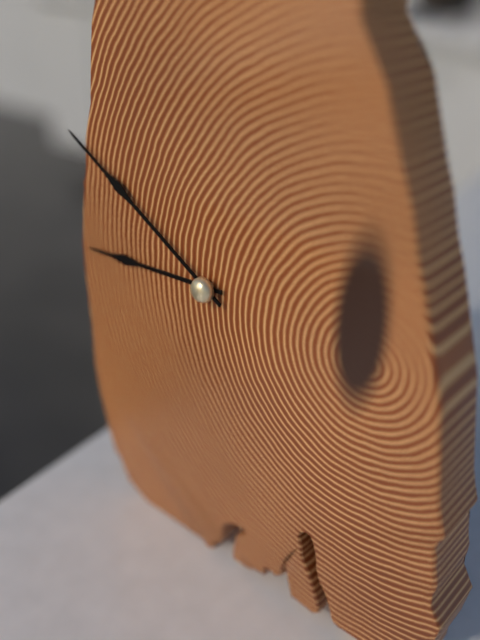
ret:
8:50
